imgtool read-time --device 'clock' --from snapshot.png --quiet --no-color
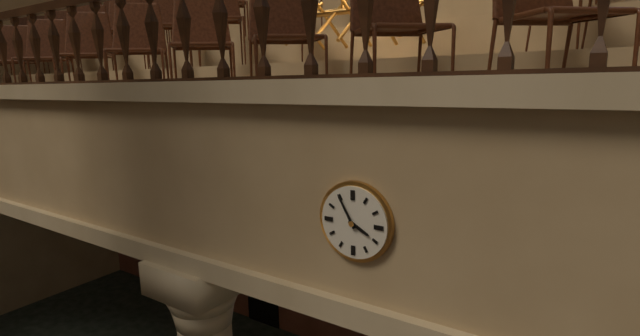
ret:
3:55
